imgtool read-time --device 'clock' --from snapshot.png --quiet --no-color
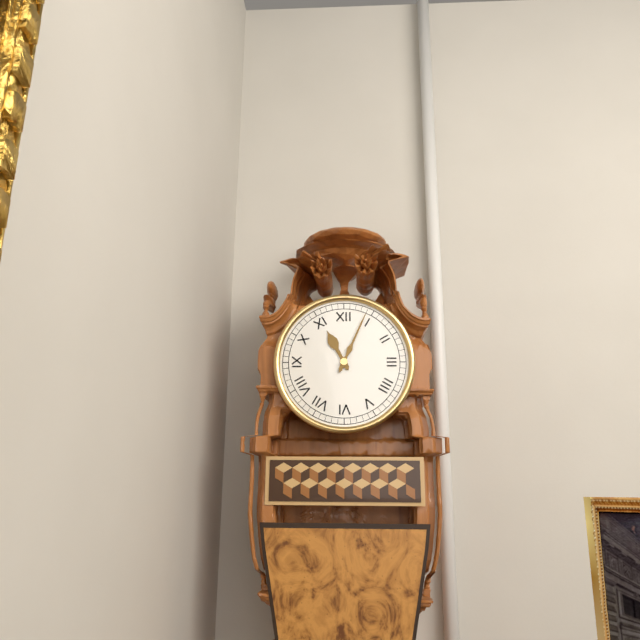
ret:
11:04
